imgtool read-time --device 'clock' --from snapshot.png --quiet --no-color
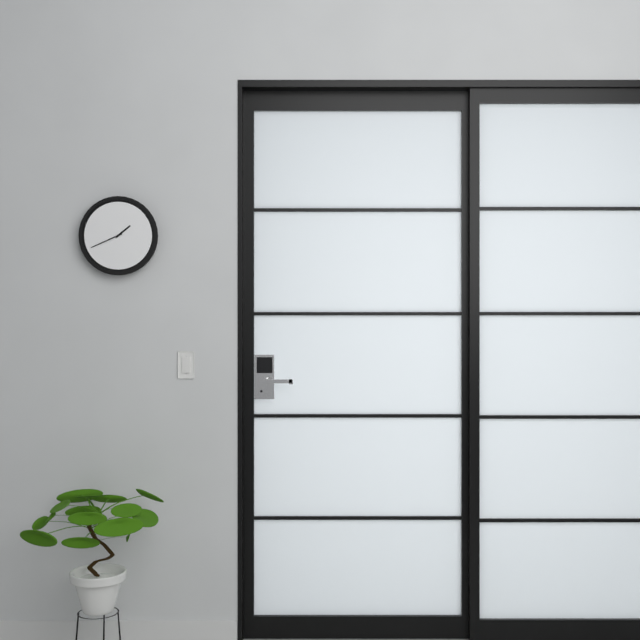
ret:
1:41
